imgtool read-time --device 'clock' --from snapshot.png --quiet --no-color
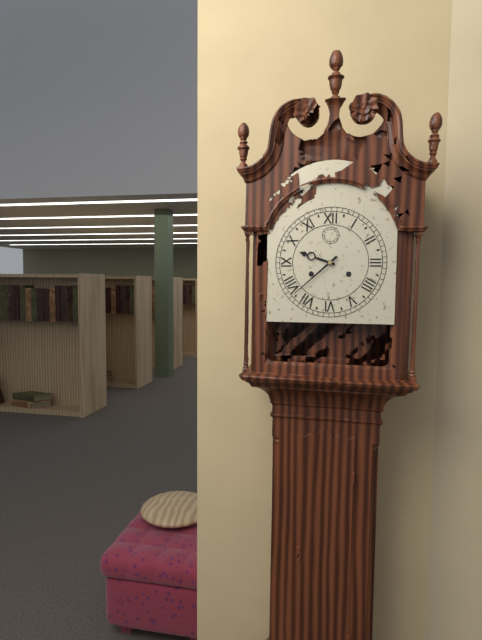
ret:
9:38
